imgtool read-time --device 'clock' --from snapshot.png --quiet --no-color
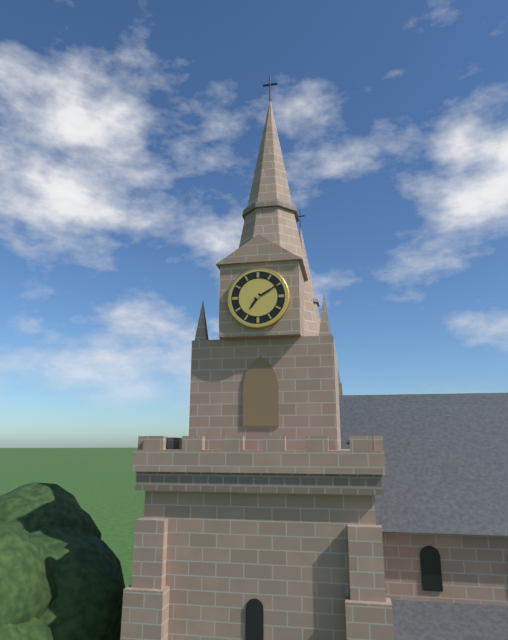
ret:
7:10
